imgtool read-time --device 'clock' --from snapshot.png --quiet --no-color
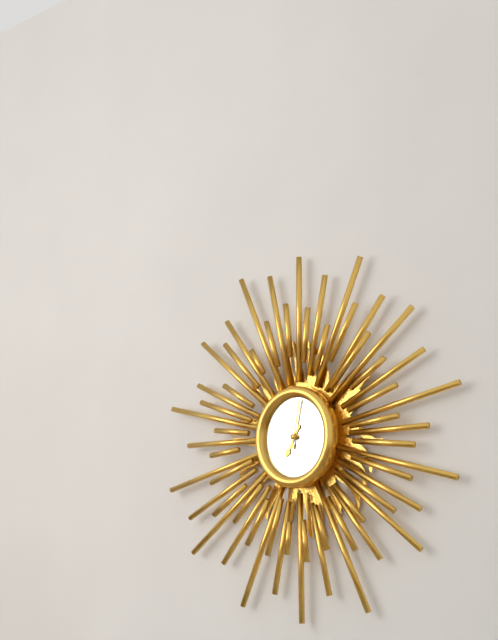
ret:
7:02
